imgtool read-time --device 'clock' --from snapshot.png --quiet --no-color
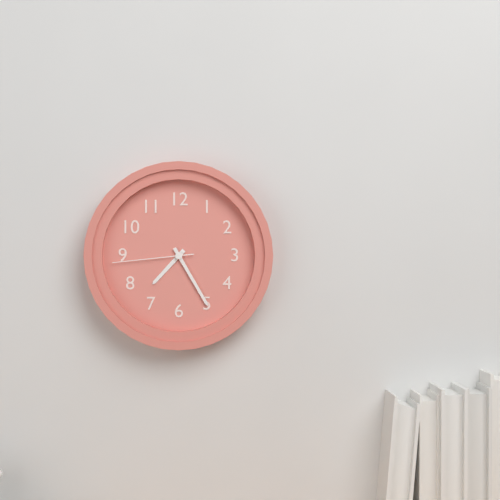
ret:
7:25:44
